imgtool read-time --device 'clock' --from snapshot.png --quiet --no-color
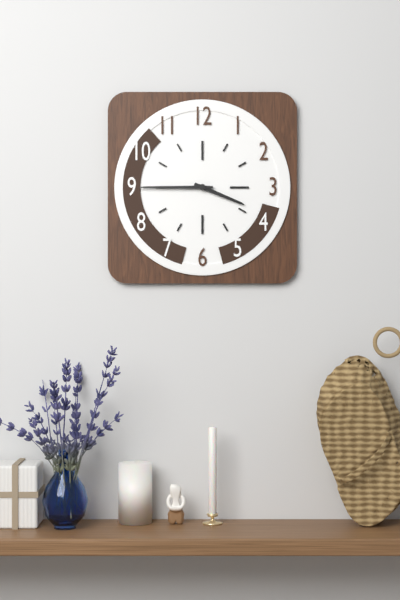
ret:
3:45
